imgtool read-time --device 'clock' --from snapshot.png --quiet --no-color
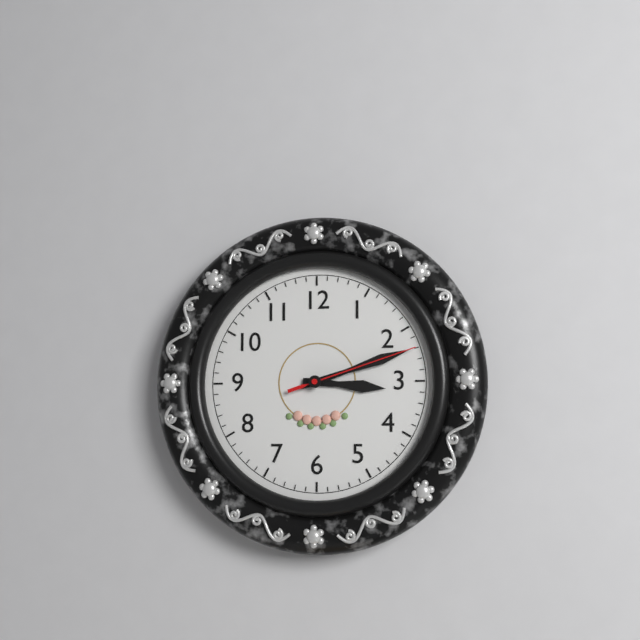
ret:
3:12:12
